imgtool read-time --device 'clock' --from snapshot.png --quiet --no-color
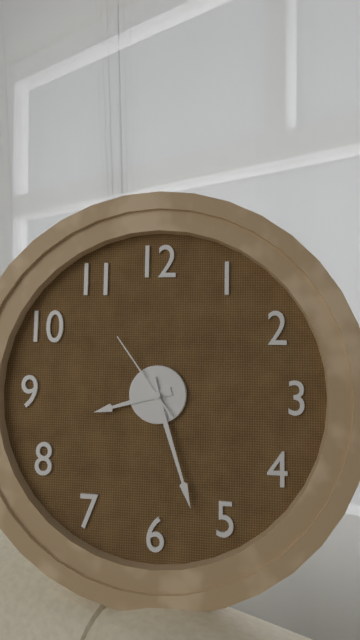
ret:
8:27:54
